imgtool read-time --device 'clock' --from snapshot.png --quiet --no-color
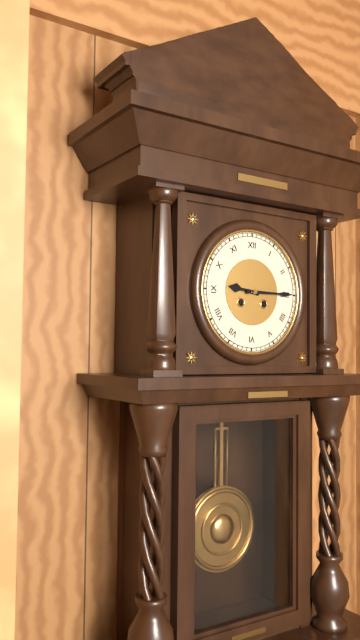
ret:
9:15
